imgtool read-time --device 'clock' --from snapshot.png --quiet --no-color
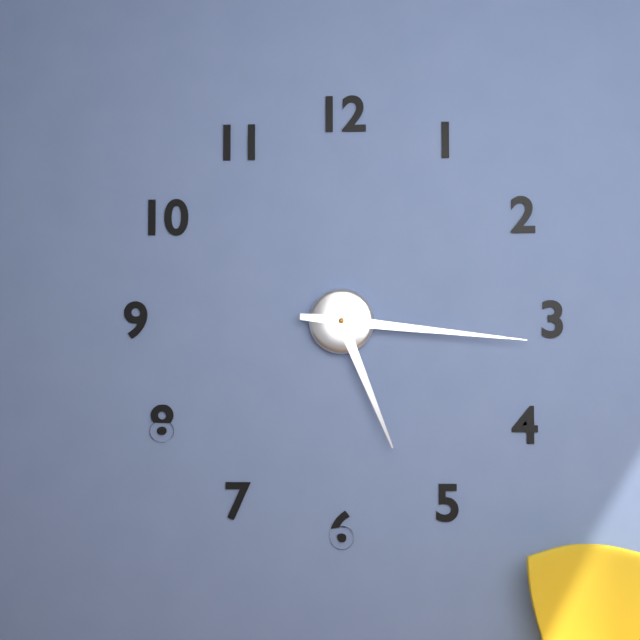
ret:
5:16
